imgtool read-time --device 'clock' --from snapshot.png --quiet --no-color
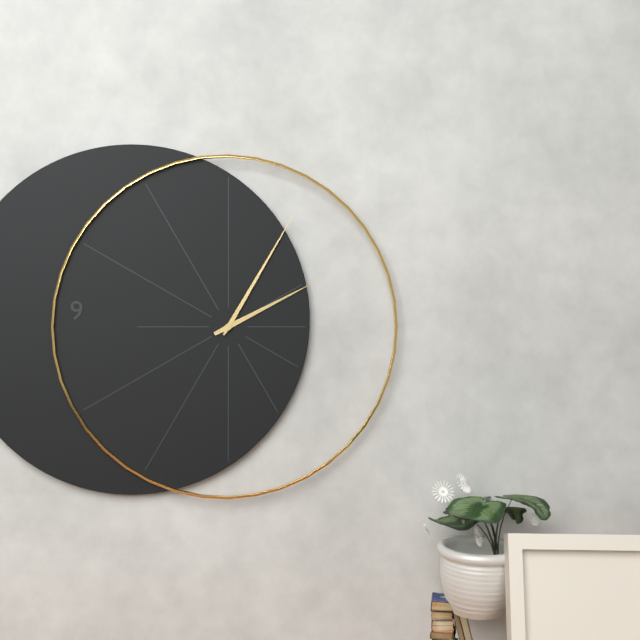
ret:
2:05
